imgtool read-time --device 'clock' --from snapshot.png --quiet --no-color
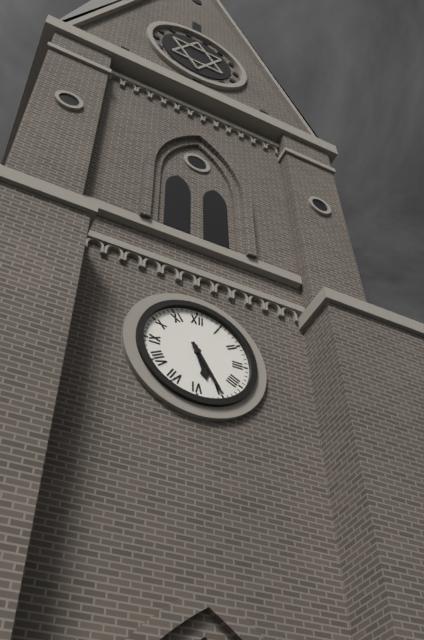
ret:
5:25
